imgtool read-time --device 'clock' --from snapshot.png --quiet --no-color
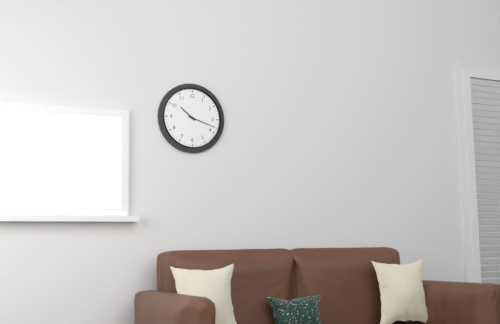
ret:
10:18
